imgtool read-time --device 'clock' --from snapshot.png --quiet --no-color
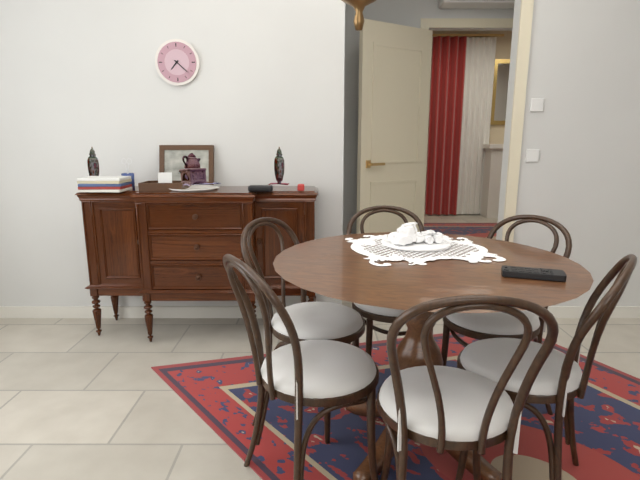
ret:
7:22
